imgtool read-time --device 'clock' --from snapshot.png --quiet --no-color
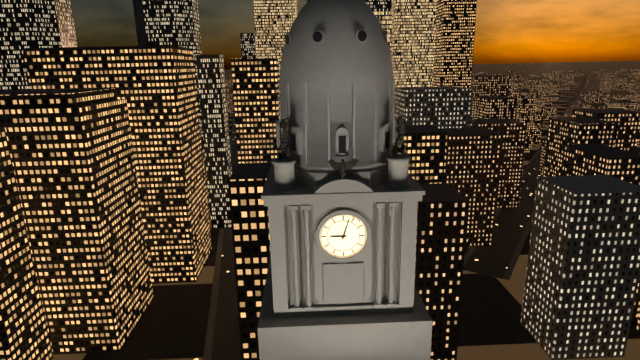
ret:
9:03
